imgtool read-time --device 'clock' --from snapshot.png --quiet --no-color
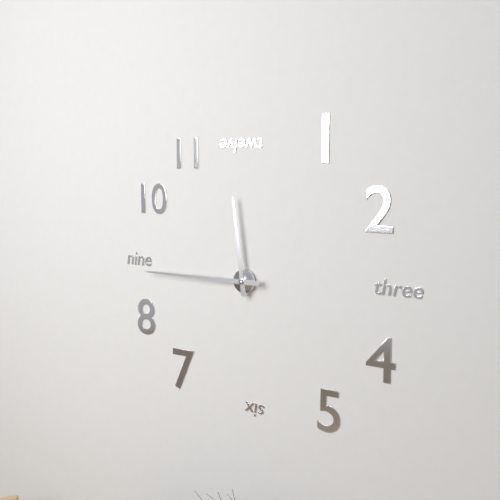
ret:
11:45
